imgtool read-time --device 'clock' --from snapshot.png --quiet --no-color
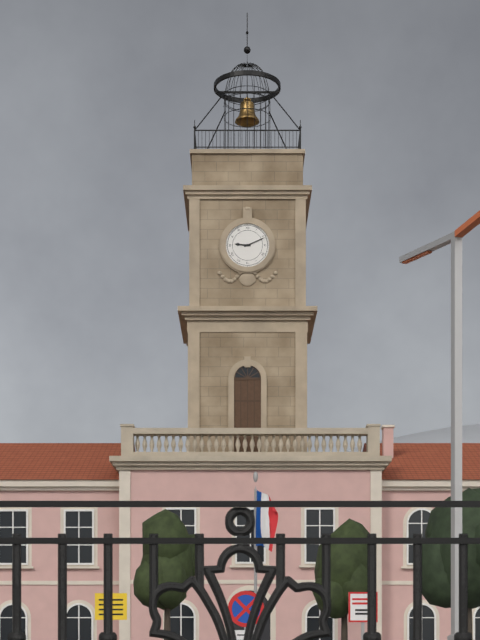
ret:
9:11
